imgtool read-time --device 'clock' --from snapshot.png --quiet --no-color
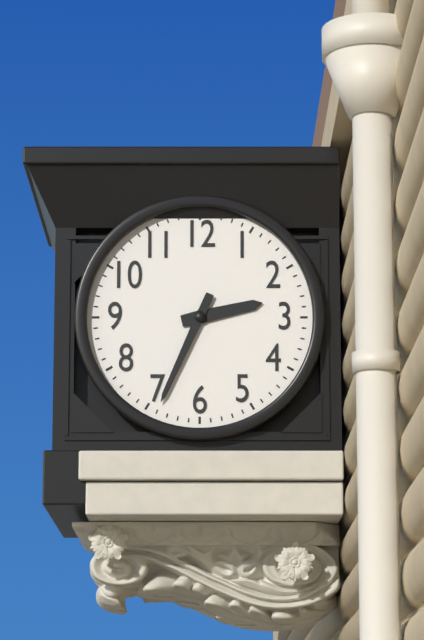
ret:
2:34
